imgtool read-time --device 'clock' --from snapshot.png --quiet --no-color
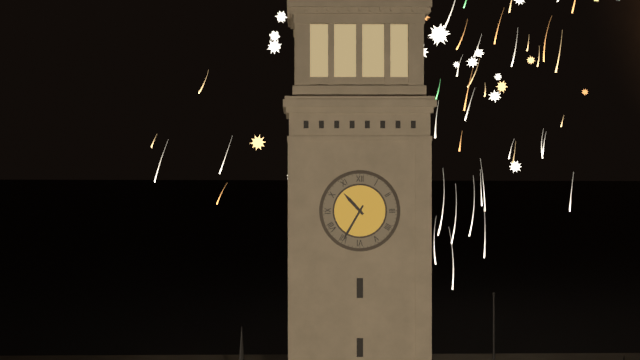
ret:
10:35
